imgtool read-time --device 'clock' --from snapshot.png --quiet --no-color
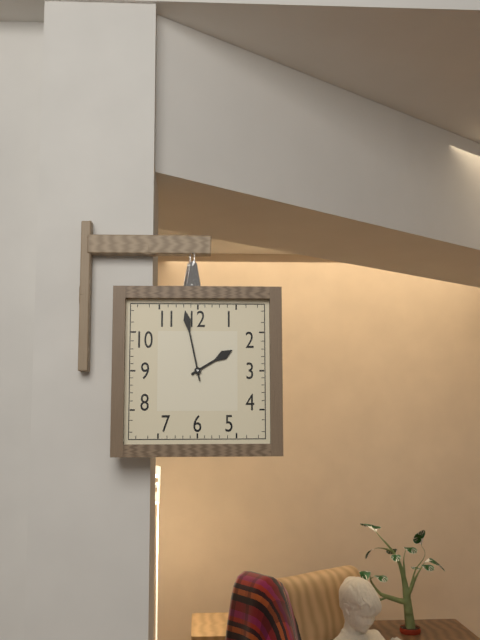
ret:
1:58
